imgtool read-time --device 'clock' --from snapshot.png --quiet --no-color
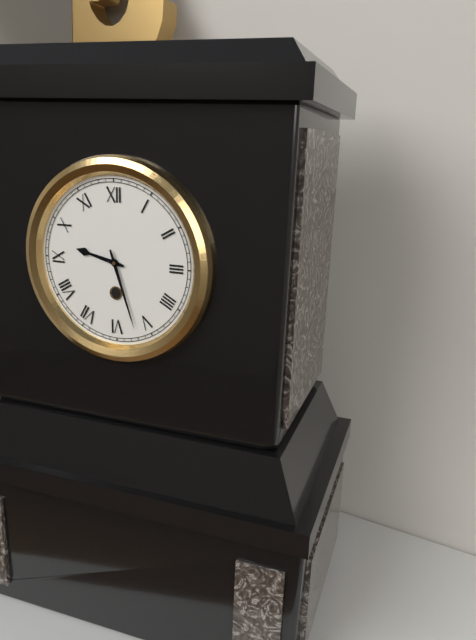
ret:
9:27
